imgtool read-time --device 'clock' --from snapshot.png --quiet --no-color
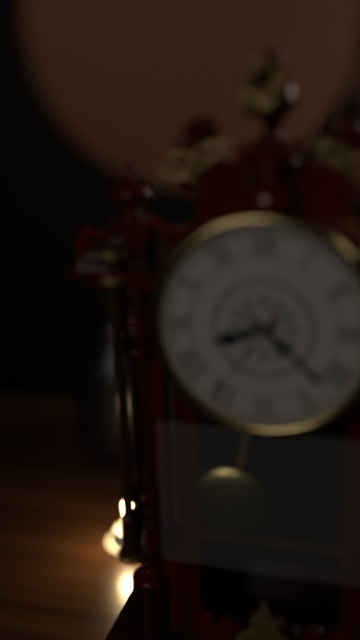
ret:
8:22:36
